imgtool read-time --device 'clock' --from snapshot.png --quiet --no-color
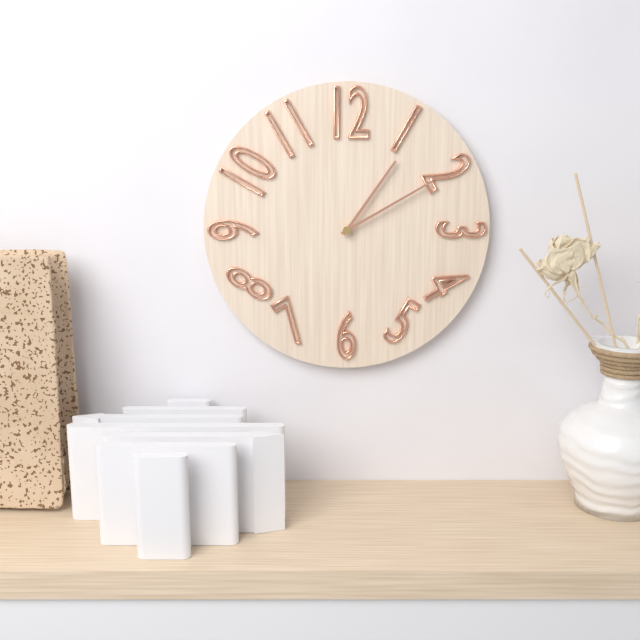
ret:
1:10
